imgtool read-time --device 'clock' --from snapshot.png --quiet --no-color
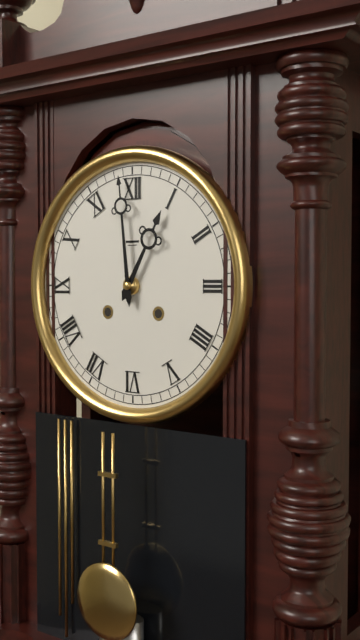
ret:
12:59
